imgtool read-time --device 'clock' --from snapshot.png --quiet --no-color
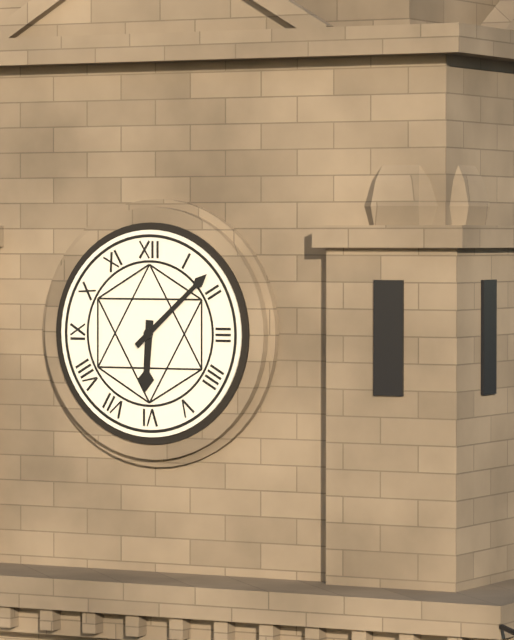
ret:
6:08
